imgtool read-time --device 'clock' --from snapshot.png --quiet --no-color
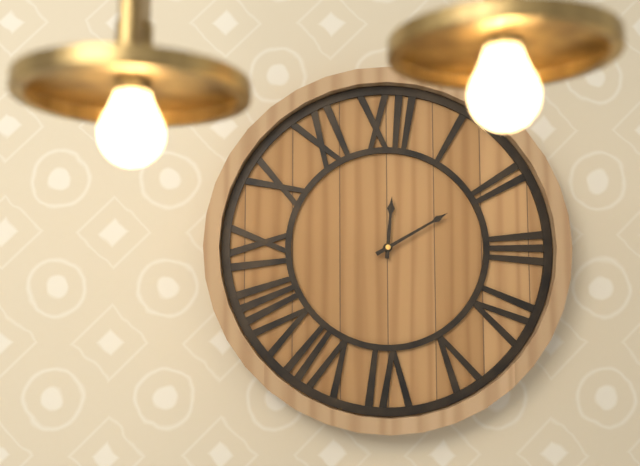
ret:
12:10
